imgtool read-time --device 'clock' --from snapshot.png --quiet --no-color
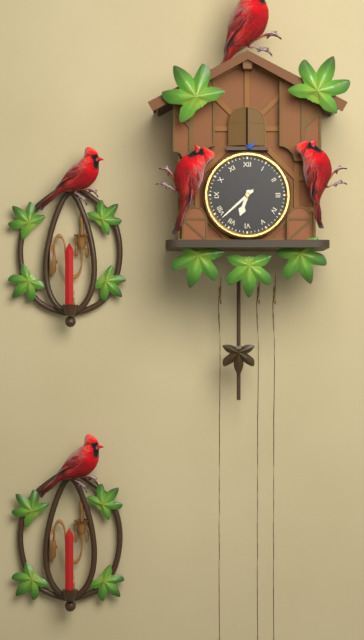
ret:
6:38
